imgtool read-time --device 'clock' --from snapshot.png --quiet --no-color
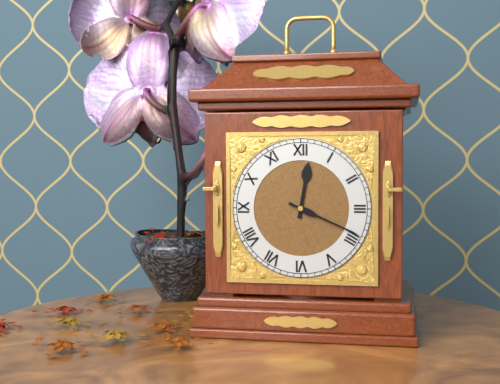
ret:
12:19
